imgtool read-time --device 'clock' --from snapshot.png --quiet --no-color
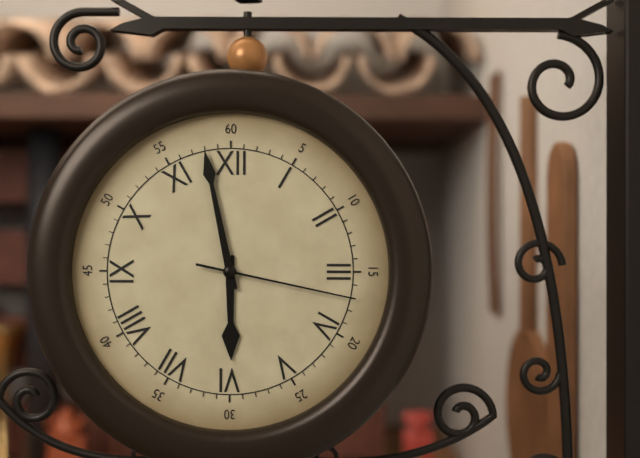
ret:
5:58:17
